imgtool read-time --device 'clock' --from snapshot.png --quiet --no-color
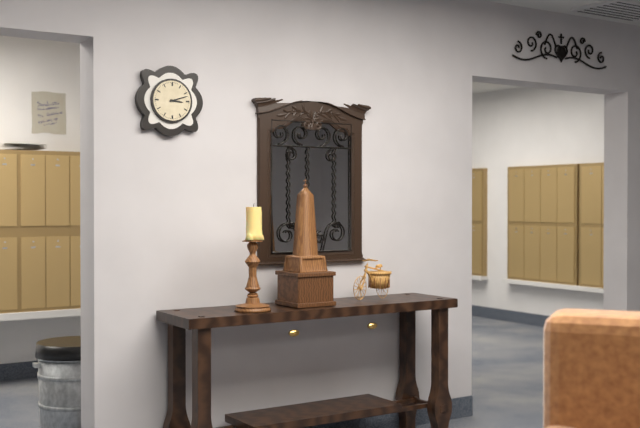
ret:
3:12
